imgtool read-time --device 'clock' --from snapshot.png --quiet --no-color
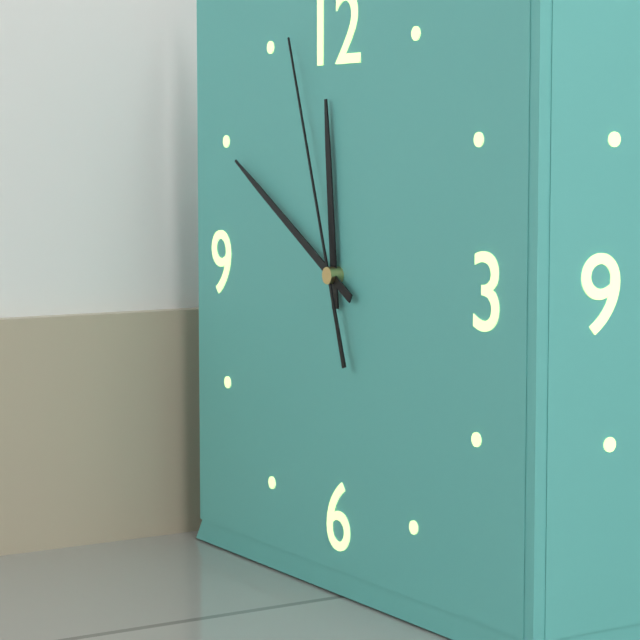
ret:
11:50:57
